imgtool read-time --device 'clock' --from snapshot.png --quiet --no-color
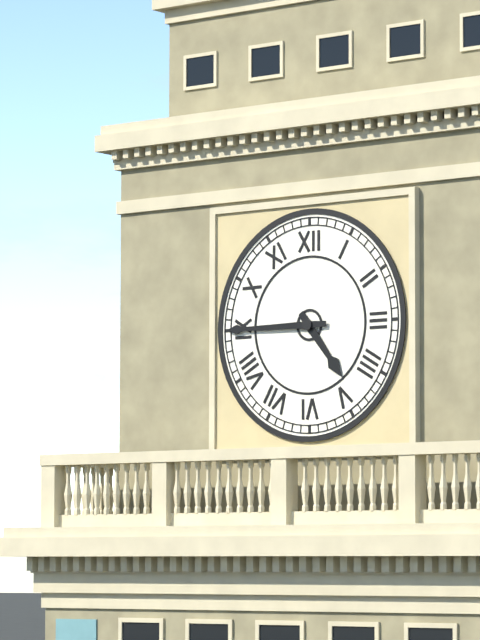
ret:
4:45
